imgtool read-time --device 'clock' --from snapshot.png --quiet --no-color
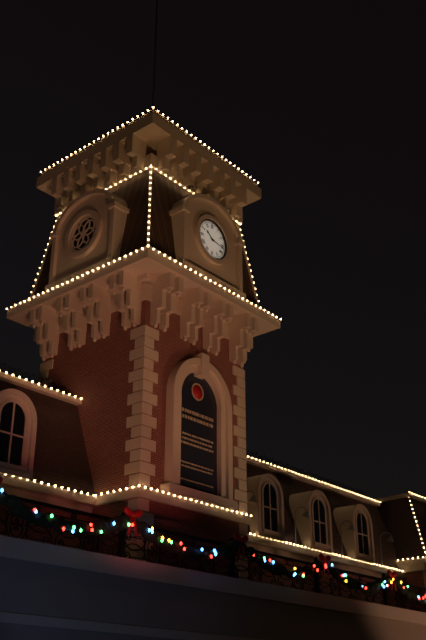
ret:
10:17
